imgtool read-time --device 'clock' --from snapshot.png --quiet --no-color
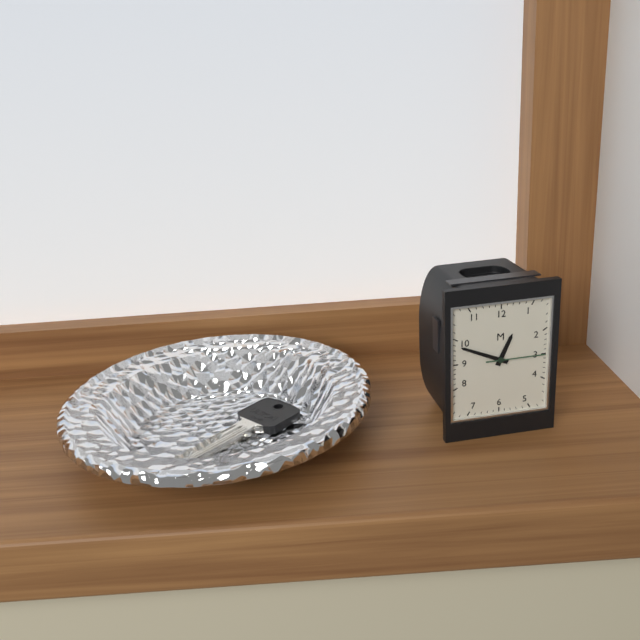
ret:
12:49:15
